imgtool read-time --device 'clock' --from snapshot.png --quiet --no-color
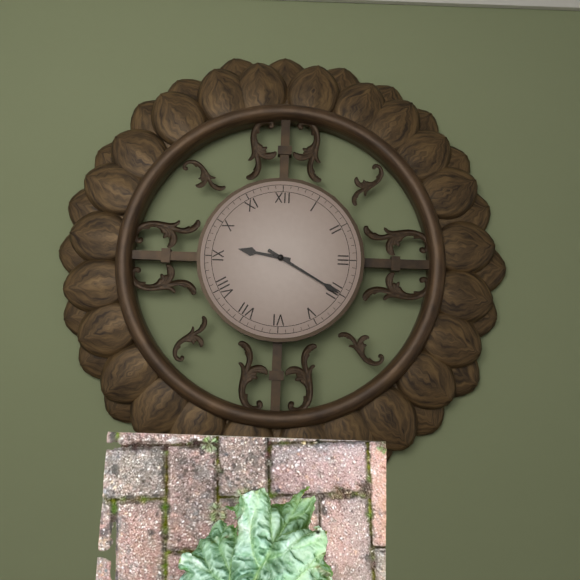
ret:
9:20
